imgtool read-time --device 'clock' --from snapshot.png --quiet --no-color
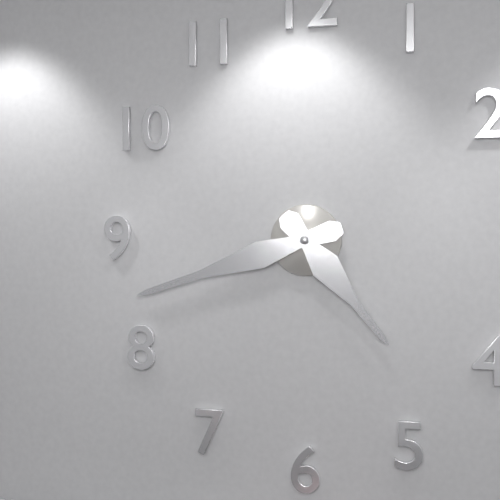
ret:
4:42
